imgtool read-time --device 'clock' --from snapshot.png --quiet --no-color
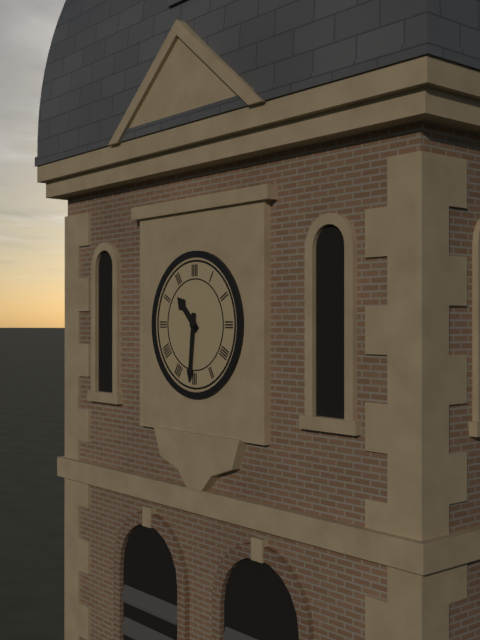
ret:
10:31
